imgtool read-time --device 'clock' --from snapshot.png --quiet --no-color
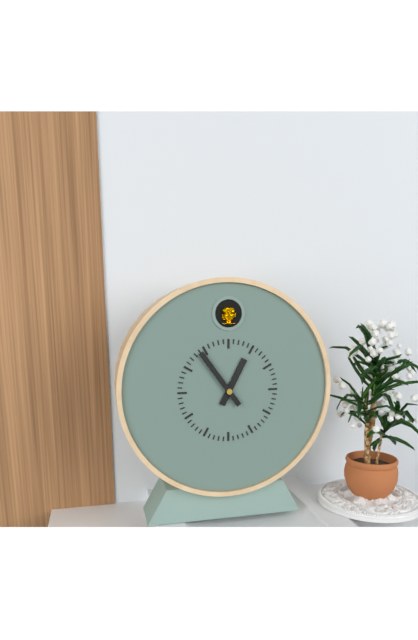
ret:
12:54
